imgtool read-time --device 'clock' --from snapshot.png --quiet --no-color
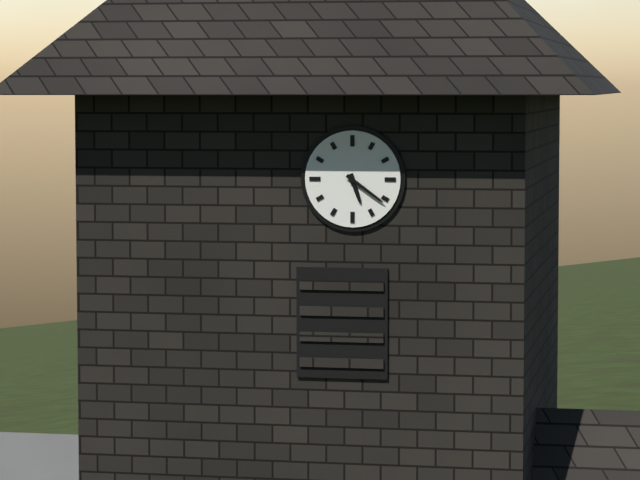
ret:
5:21
